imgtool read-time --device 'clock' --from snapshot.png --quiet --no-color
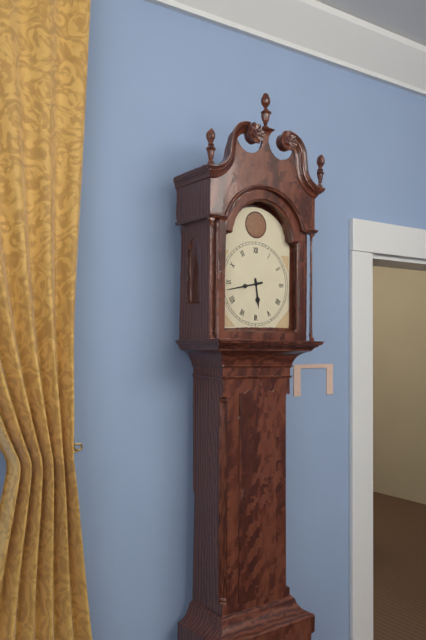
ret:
5:43
